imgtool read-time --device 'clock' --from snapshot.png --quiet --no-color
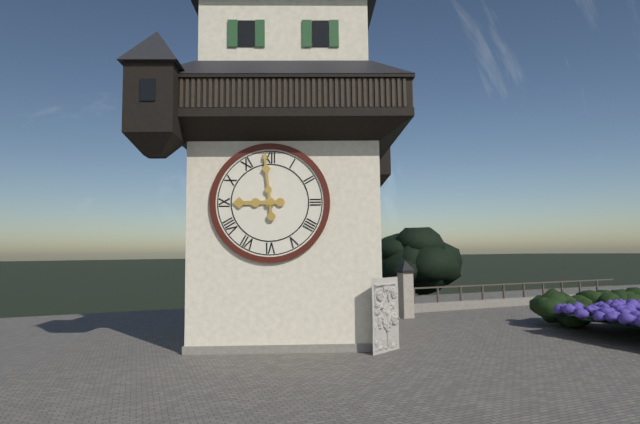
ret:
8:59
